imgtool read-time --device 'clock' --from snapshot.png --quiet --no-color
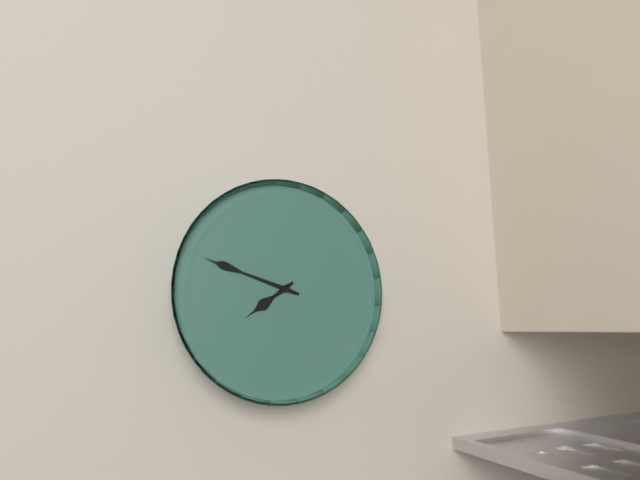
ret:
7:48
